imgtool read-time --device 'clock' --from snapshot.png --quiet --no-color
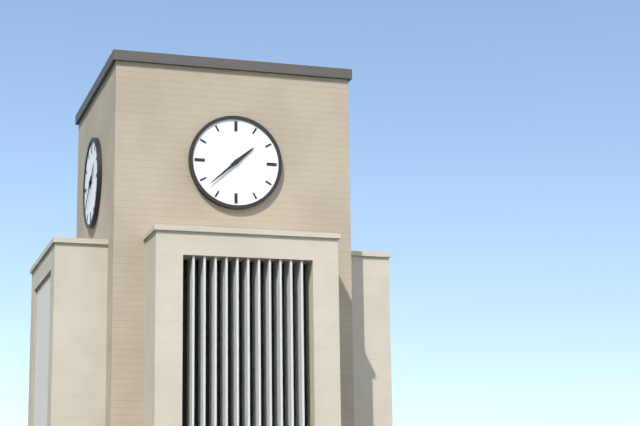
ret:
1:38
